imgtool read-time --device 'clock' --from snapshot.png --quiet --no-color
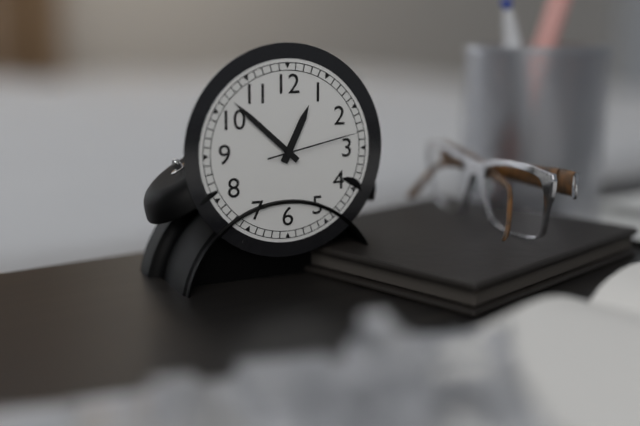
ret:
12:52:13
